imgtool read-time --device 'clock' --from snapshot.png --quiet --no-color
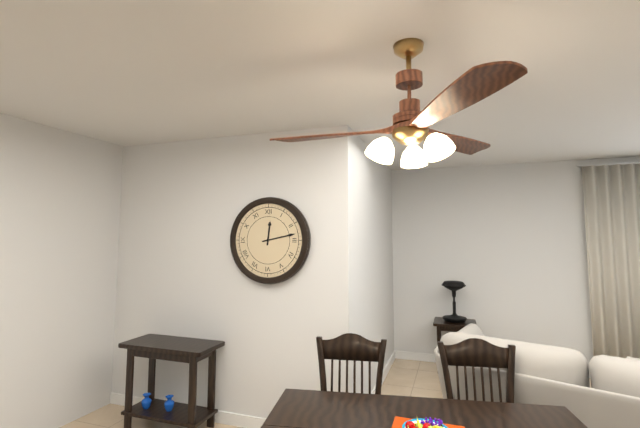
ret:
12:13
